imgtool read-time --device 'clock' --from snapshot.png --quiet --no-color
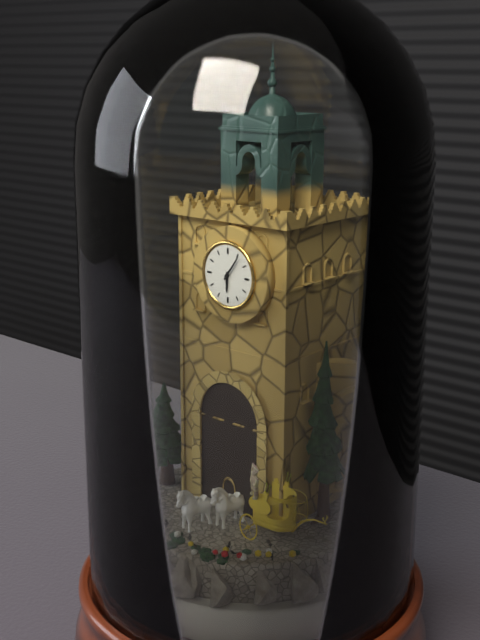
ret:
6:06
